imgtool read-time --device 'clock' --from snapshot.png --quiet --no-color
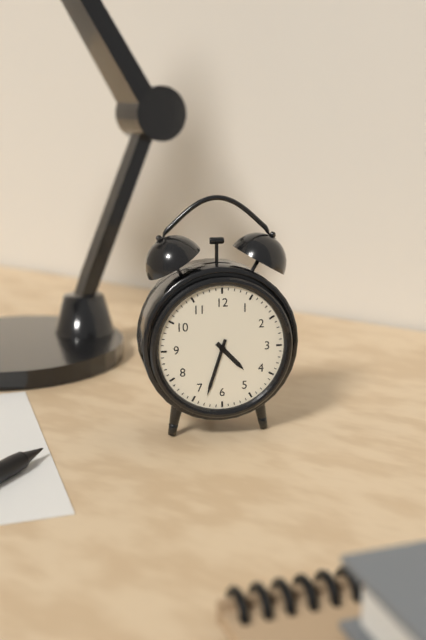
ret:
4:33
